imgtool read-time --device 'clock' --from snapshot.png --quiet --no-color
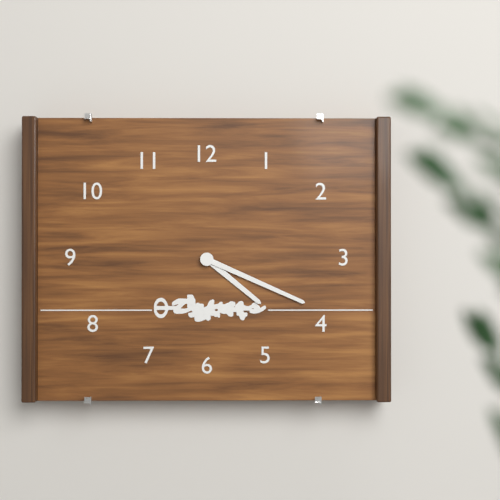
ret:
4:19
